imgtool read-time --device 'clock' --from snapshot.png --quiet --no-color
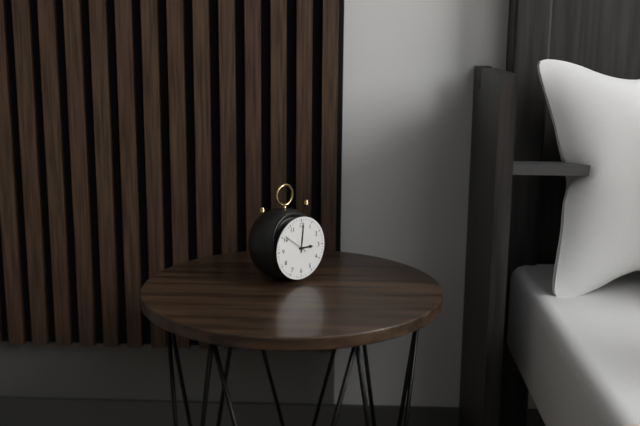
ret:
3:01
